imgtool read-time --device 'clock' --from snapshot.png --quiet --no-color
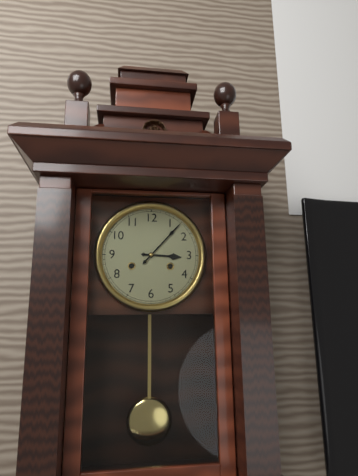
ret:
3:07
